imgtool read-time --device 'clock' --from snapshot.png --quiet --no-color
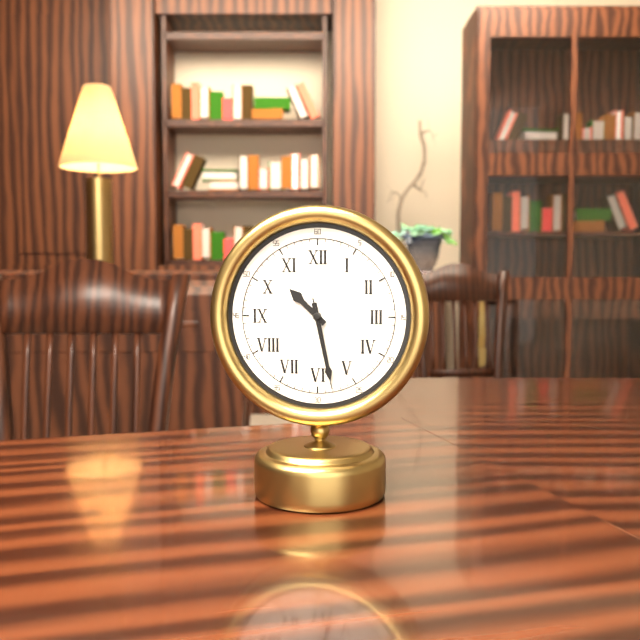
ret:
10:28:28
